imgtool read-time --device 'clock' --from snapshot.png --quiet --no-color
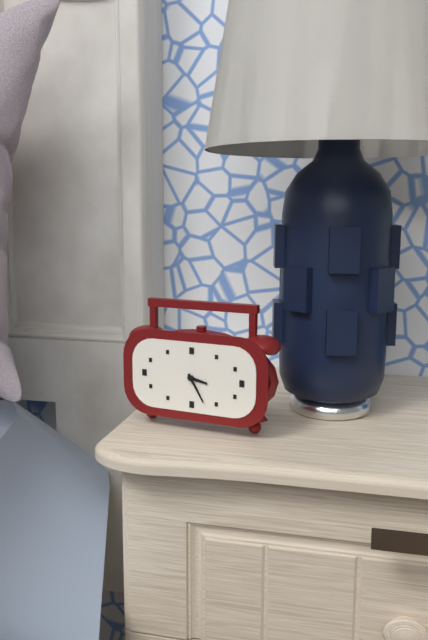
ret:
3:25
